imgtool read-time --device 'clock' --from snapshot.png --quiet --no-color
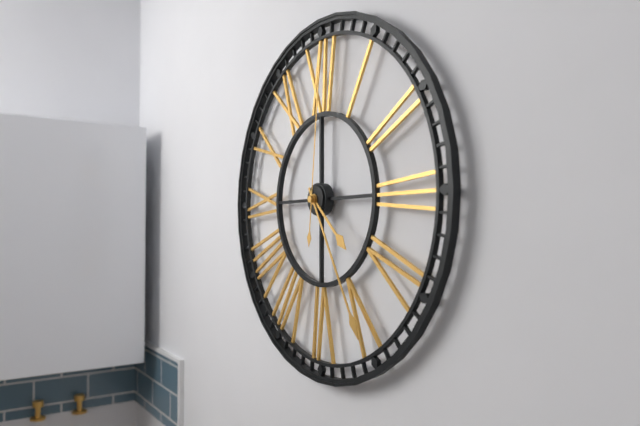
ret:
4:25:01
